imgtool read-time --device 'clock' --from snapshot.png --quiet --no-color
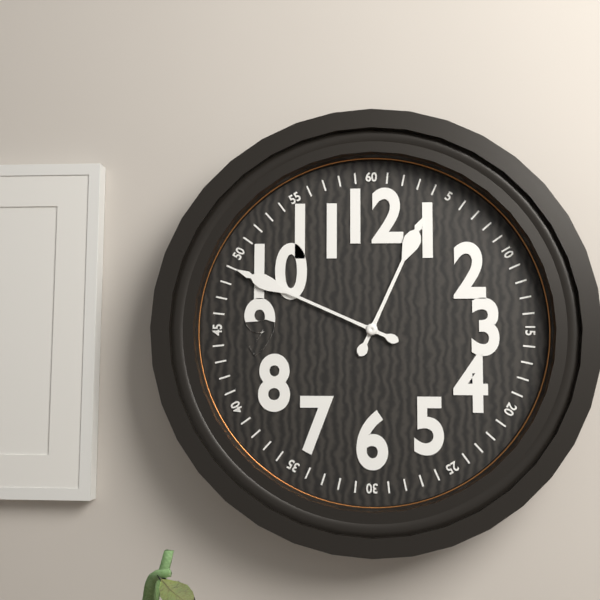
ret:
12:49
